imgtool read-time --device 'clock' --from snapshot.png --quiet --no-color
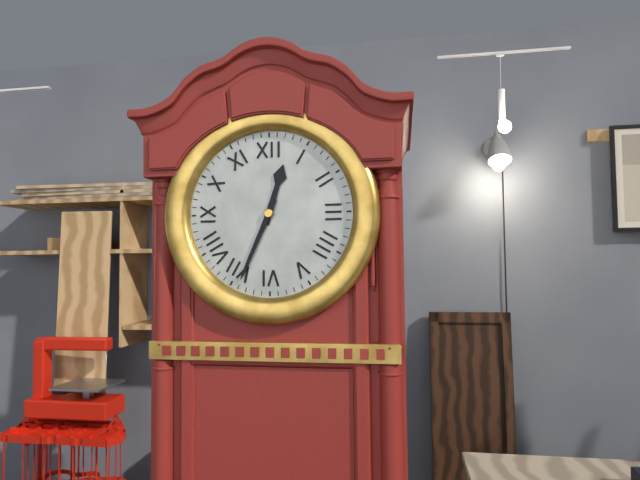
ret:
12:34
